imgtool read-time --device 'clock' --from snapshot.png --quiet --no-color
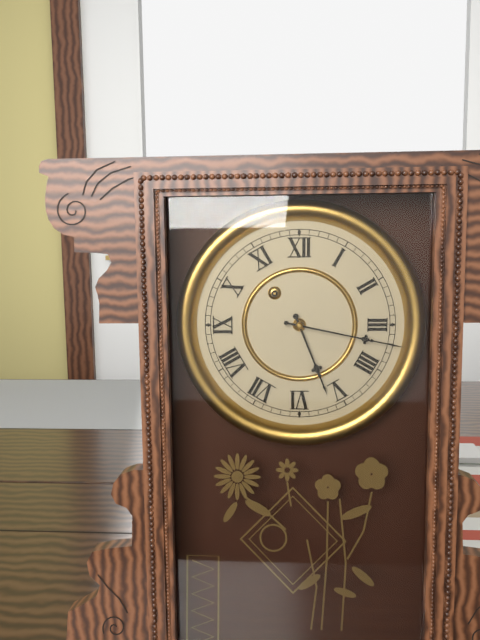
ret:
5:17
